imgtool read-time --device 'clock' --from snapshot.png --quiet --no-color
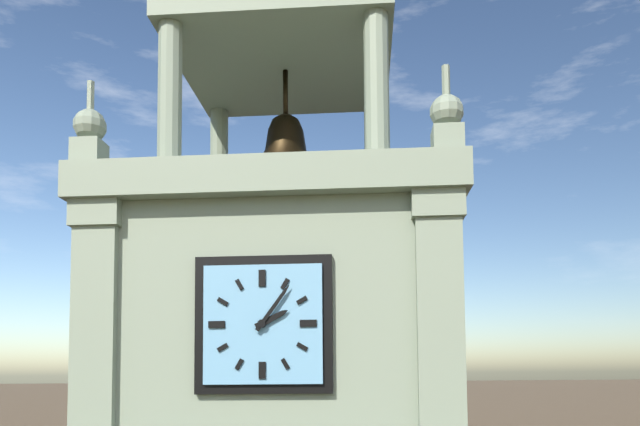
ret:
2:06
